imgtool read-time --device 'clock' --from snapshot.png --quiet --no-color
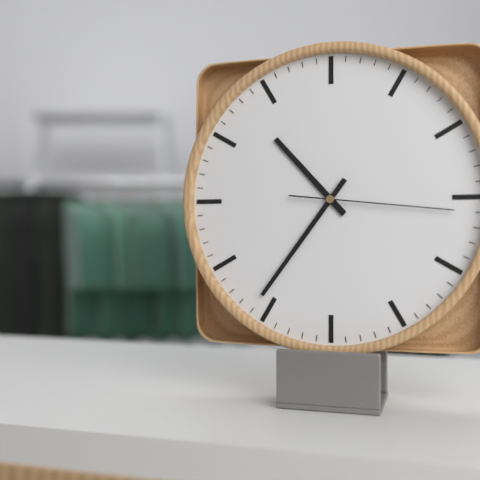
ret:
10:36:16
